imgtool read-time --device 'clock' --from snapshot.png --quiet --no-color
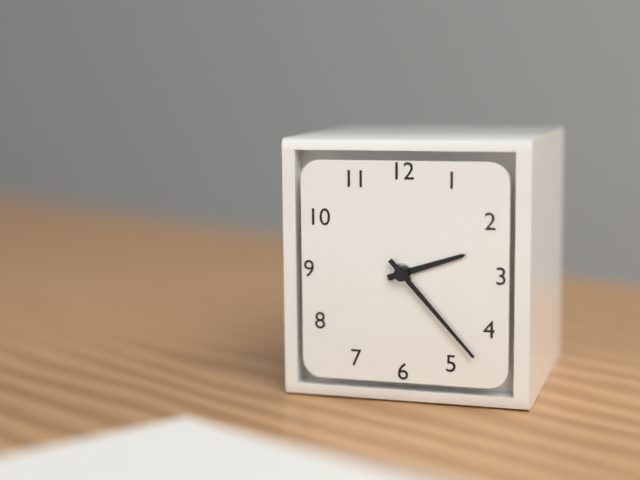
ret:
2:23
